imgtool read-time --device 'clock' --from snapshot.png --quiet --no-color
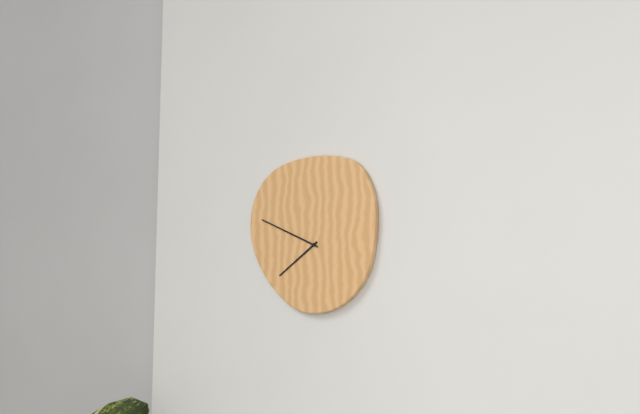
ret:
7:49
